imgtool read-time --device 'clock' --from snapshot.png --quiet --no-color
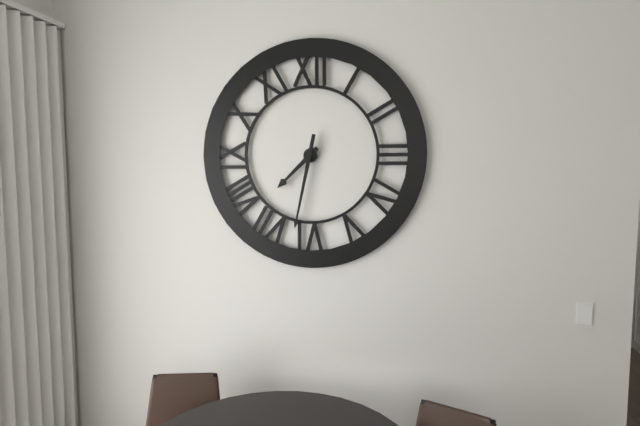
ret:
7:32
